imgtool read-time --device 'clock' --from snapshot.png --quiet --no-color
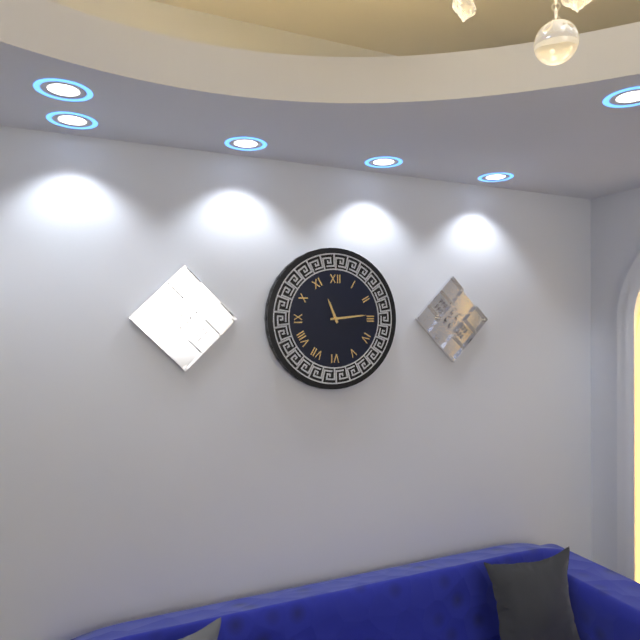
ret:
11:14
